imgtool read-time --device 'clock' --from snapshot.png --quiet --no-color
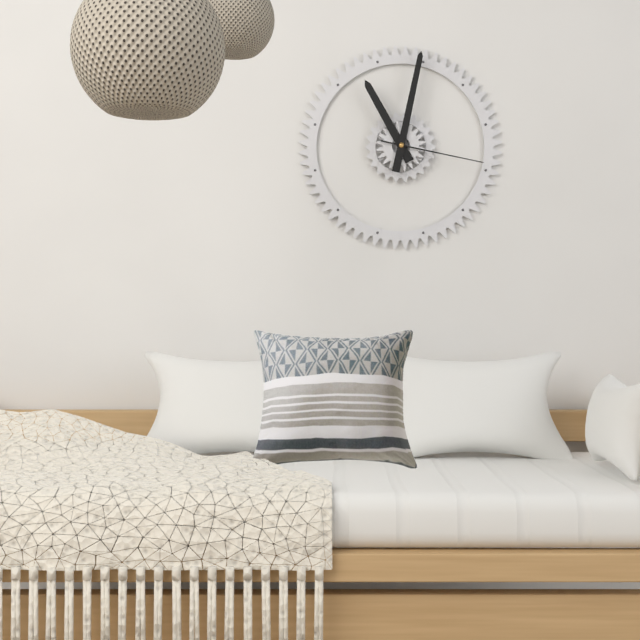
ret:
11:02:17
